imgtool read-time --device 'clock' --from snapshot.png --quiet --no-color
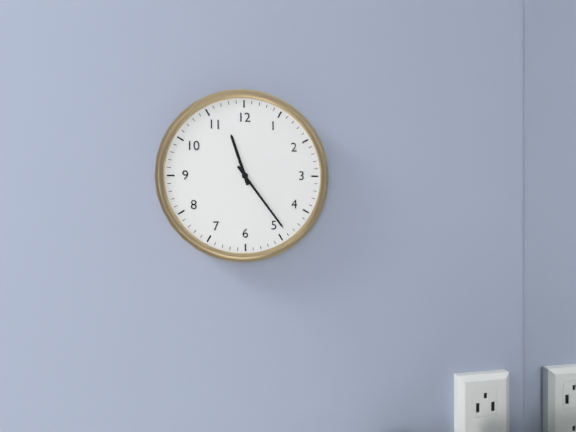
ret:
11:24
